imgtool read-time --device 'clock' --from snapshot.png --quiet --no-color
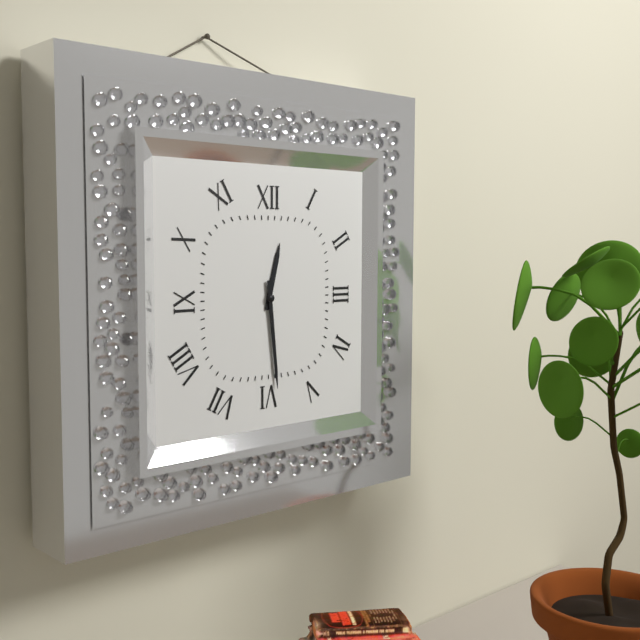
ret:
12:29
